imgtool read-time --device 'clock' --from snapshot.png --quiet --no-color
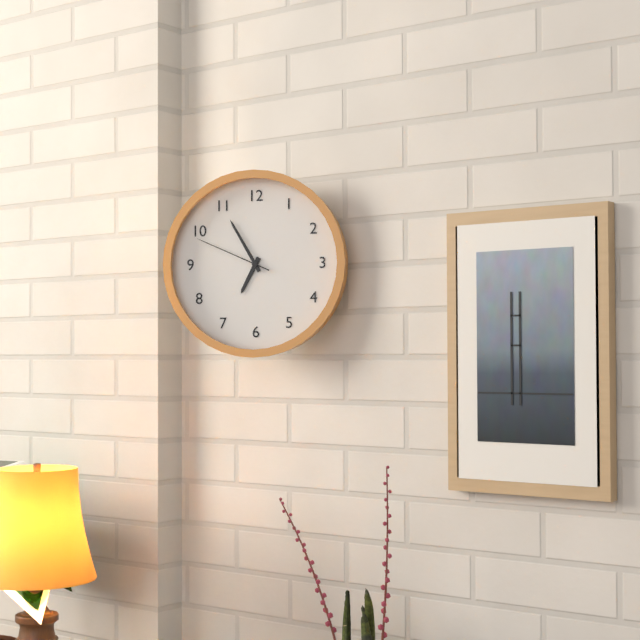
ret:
6:55:49
